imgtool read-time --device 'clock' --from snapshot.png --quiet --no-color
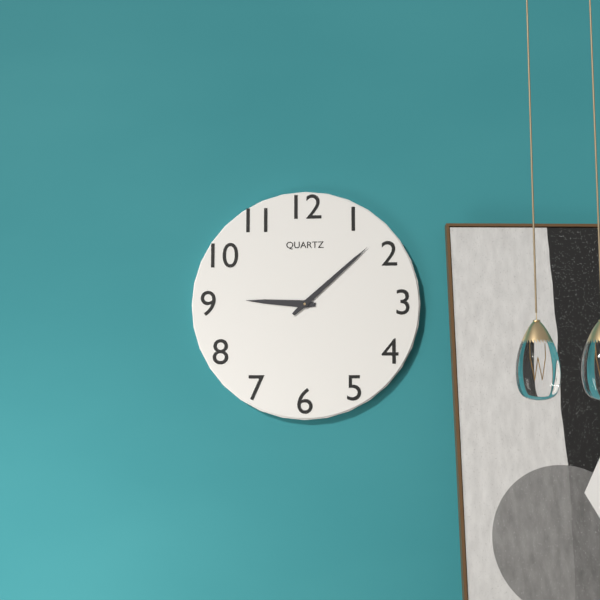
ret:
9:08
